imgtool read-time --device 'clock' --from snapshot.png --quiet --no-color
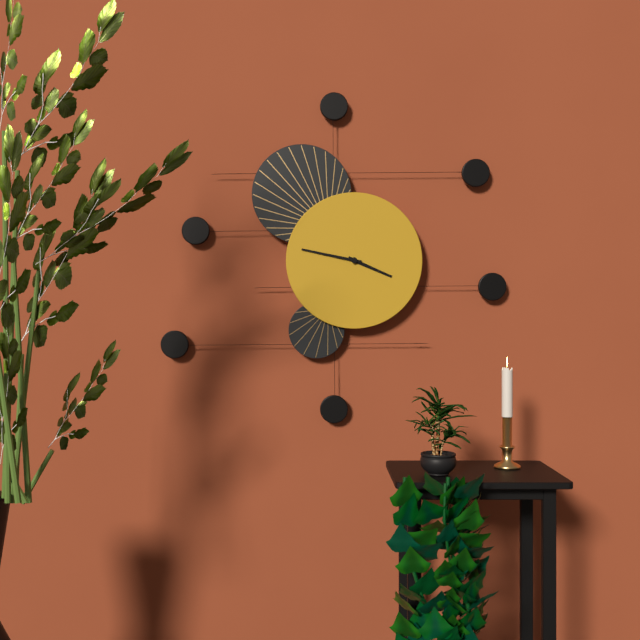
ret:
3:47
